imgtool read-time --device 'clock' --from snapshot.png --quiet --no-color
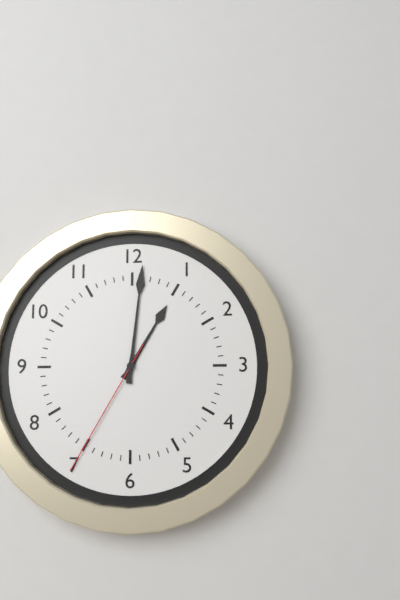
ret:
1:01:35
